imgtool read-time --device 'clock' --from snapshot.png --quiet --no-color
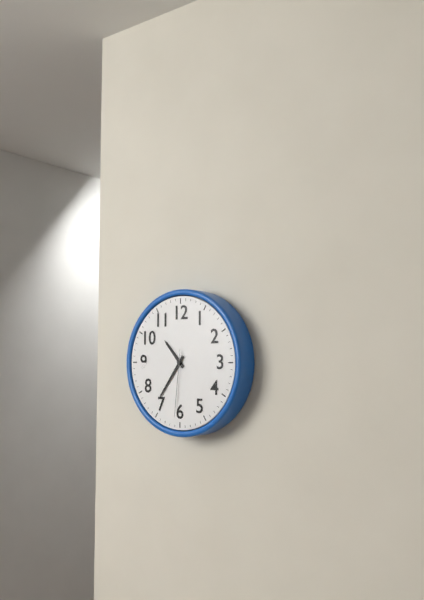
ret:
10:36:31
